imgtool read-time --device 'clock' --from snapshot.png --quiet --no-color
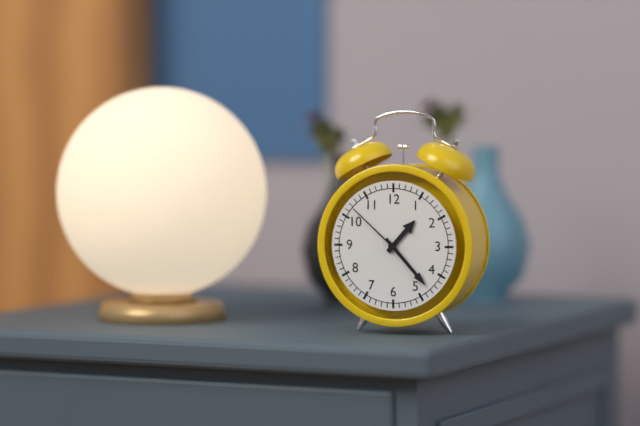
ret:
1:23:52
